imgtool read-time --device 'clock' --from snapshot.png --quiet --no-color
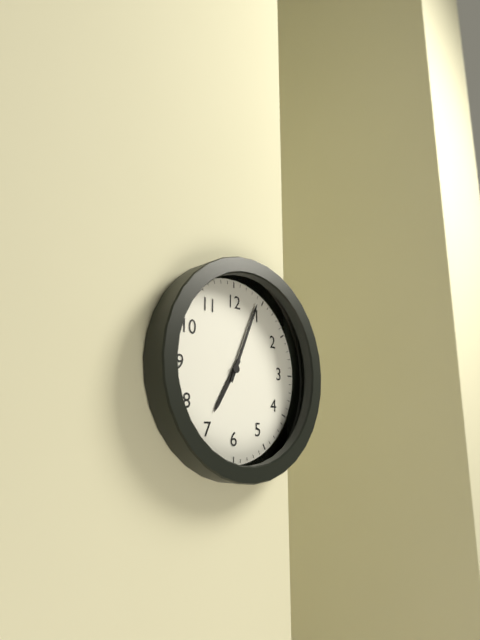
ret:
7:04
